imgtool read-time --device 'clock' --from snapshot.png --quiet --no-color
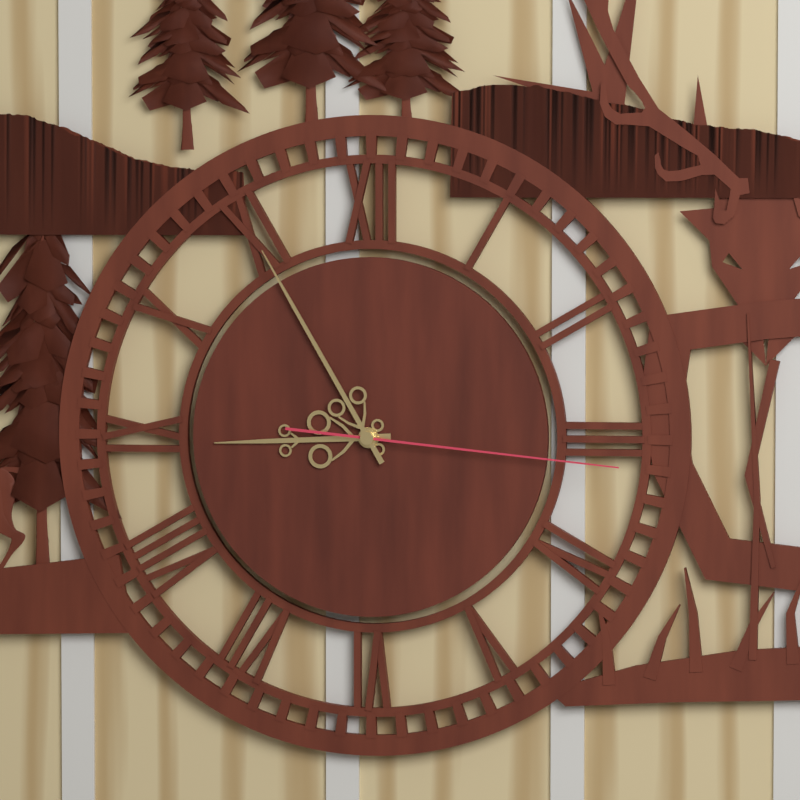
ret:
8:55:16
